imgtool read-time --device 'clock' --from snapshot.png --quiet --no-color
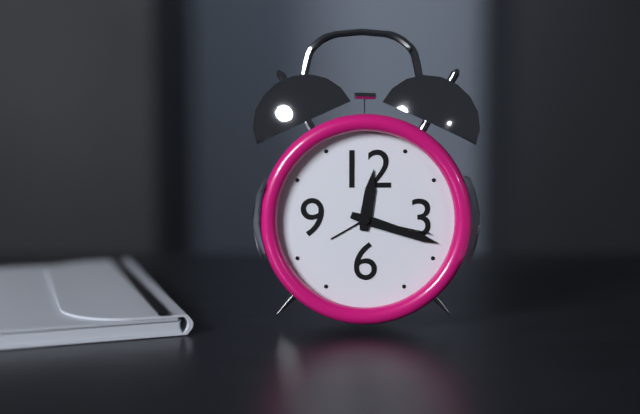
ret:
12:18:17
